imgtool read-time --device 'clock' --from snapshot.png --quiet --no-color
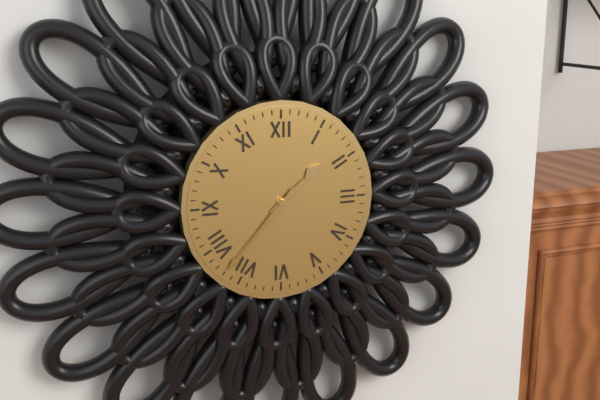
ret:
1:37
